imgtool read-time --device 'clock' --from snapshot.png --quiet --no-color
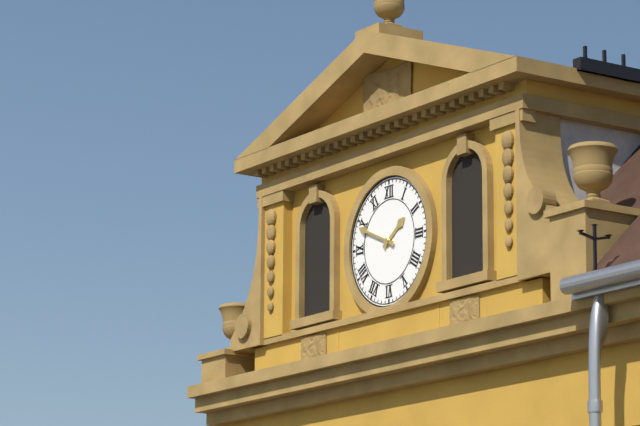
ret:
1:49
